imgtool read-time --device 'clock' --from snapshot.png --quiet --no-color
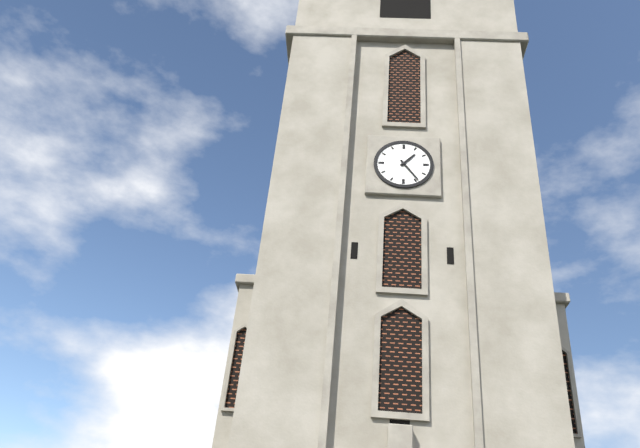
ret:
1:24
